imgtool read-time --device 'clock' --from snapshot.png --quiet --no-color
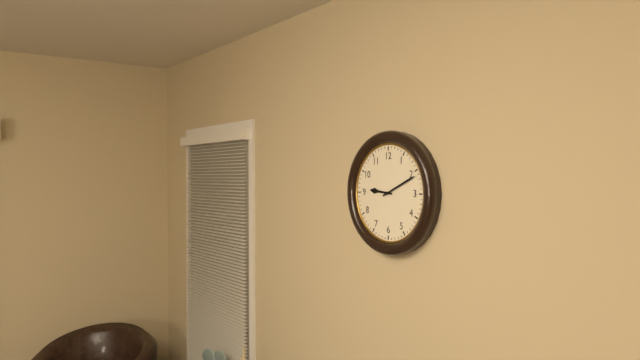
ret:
9:11
